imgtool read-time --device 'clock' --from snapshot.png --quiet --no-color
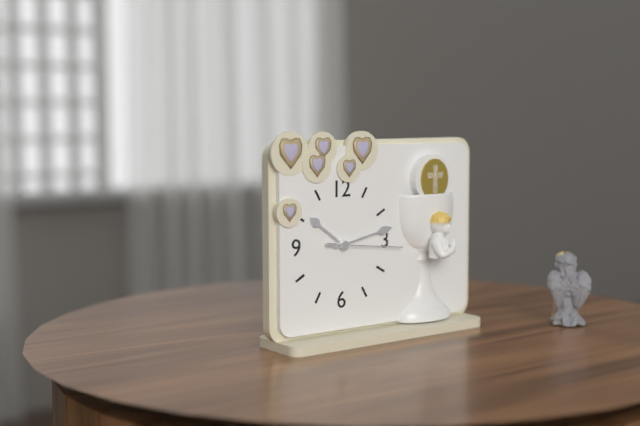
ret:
10:13:16
